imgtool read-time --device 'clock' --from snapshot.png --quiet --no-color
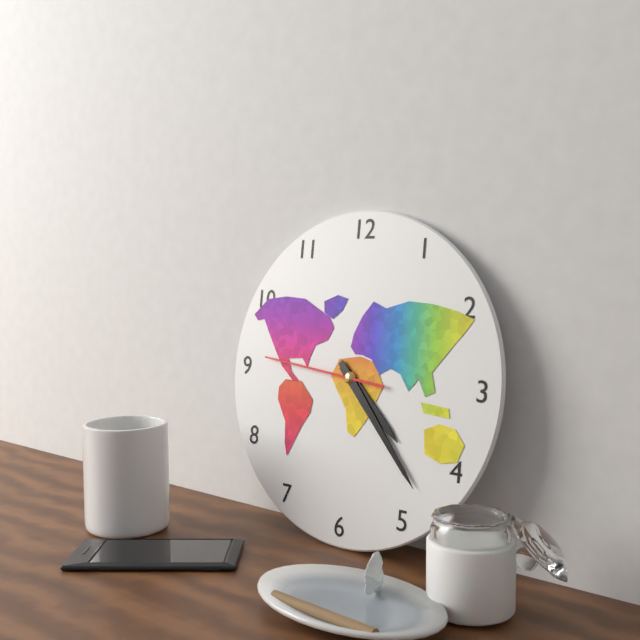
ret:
4:23:46
